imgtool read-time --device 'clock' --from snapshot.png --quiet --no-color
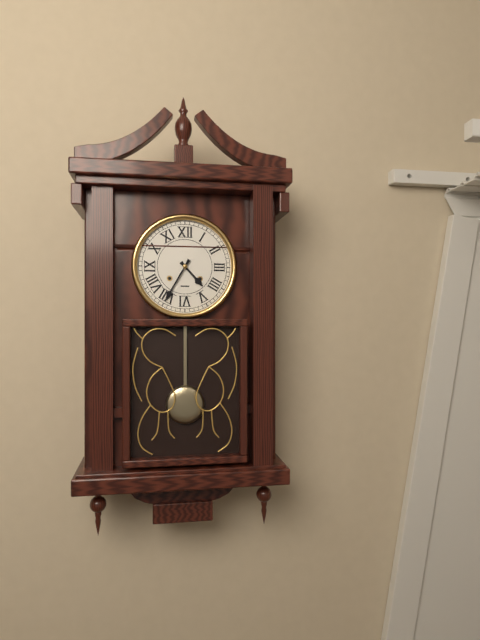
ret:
4:35
